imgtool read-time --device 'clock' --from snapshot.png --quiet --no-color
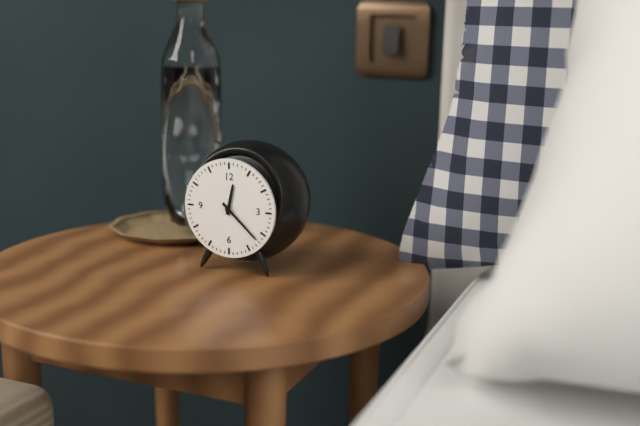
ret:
12:22
